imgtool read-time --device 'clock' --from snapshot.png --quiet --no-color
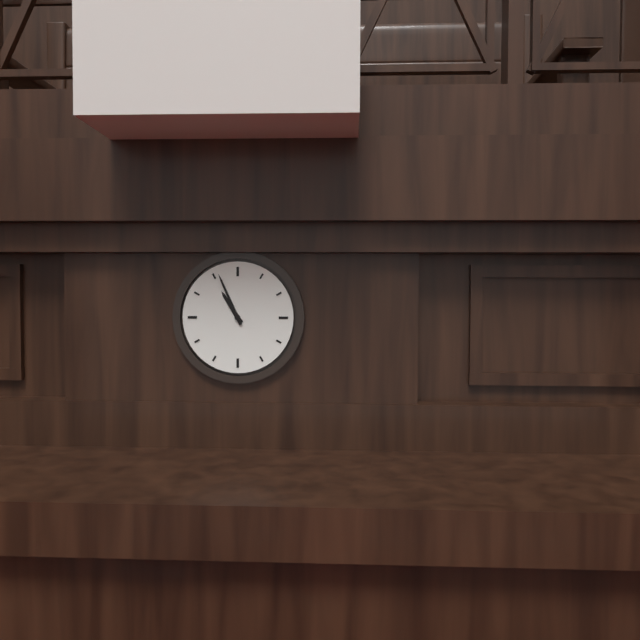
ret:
10:56
